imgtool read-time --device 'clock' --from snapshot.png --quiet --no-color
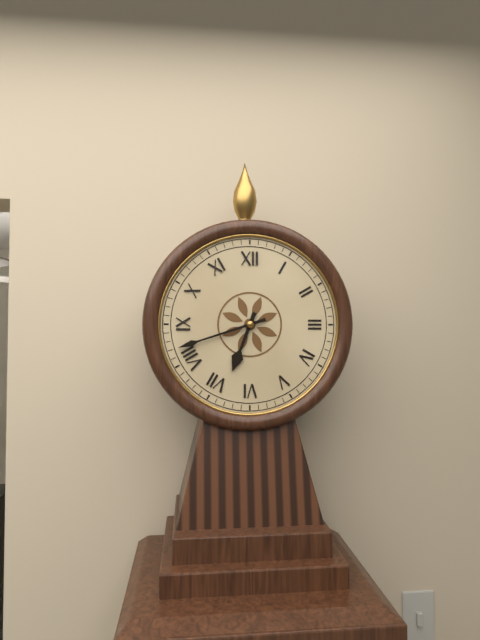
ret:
6:42
